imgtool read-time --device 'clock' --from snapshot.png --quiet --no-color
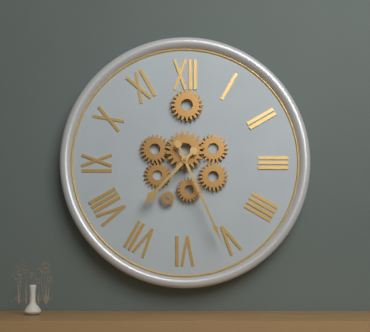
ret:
7:26
